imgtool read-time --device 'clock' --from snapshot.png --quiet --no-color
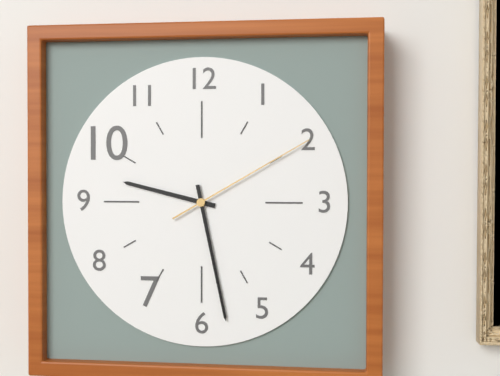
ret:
9:28:10
